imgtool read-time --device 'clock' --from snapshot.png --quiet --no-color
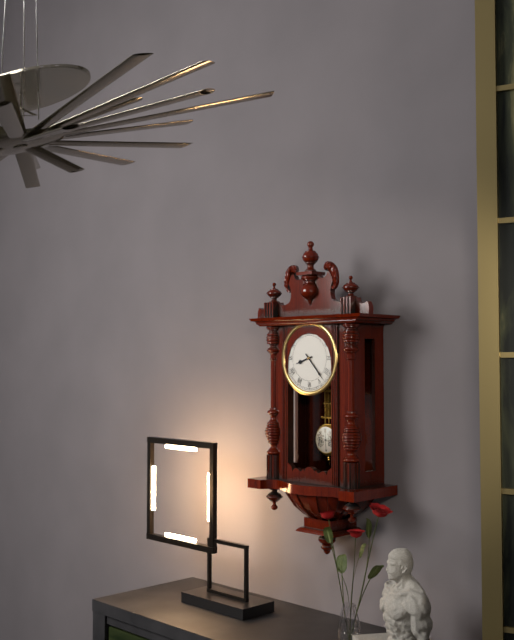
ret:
8:23
